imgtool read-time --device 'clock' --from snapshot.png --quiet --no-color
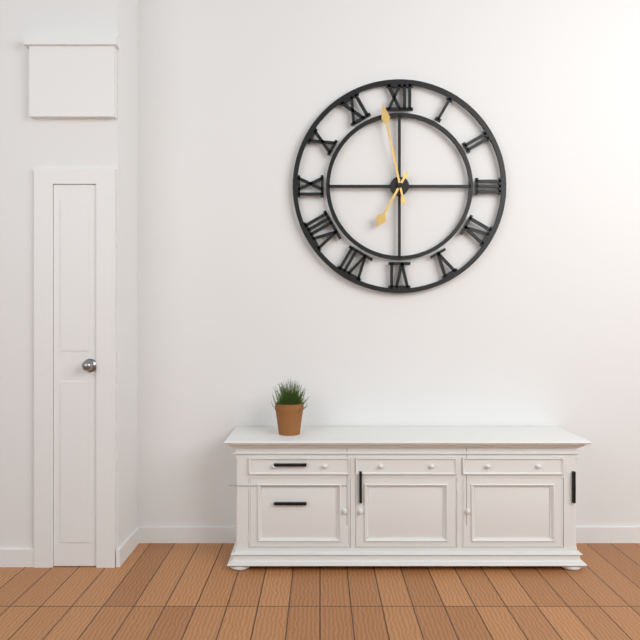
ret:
6:58
